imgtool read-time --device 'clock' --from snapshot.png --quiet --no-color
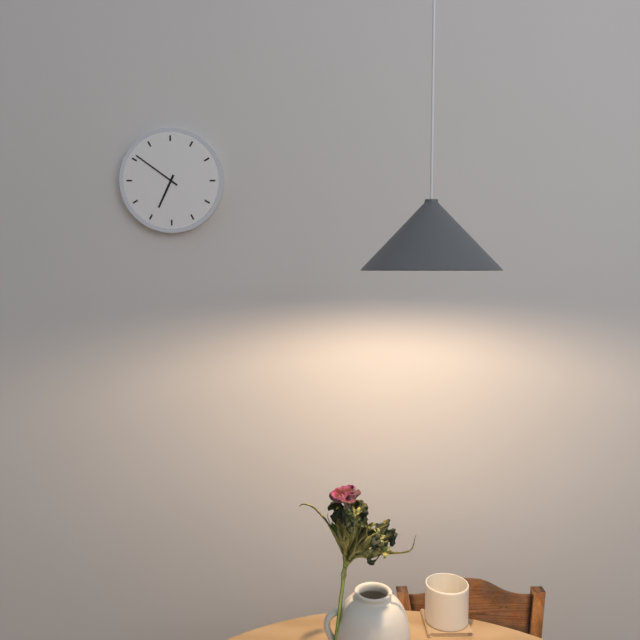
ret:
6:51
